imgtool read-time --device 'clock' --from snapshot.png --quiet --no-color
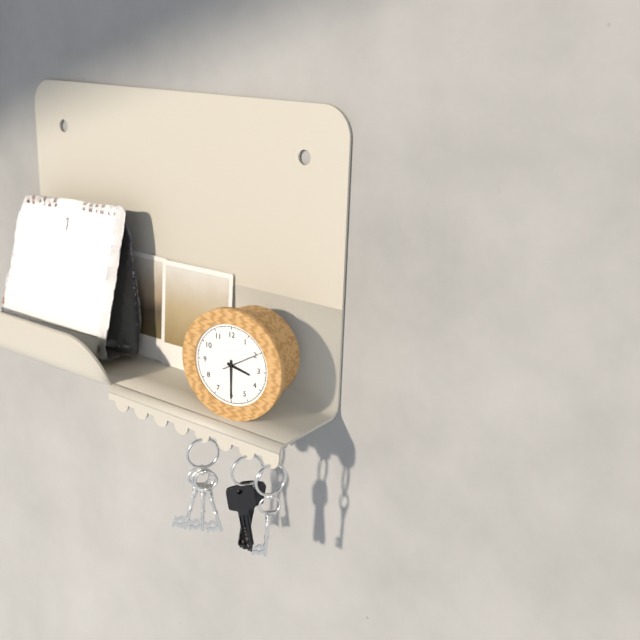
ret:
3:30
